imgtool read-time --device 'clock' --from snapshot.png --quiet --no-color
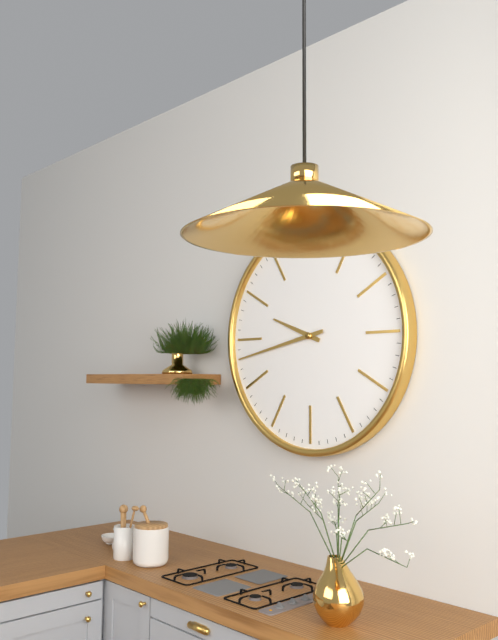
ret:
9:43
